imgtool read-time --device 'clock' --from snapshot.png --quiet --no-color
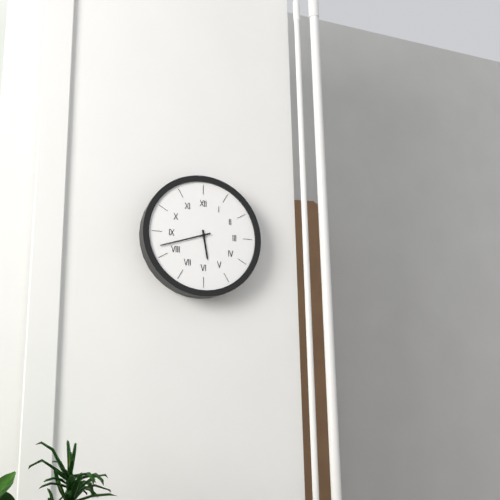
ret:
5:42
